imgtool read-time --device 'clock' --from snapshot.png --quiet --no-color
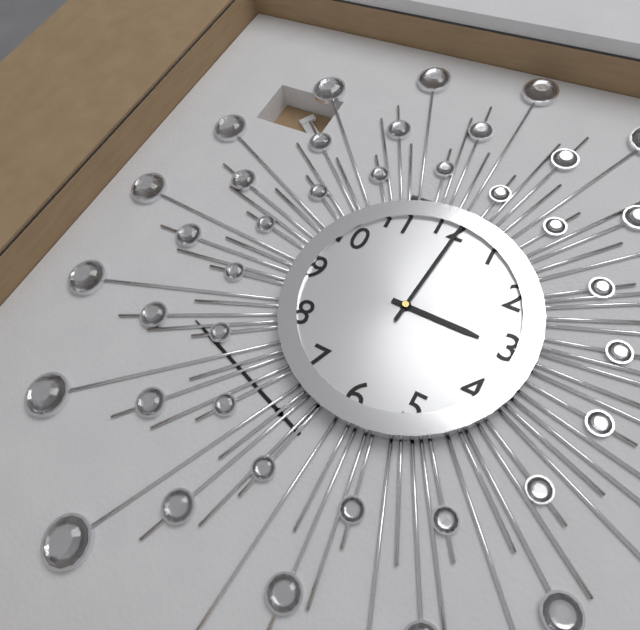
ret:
3:01
